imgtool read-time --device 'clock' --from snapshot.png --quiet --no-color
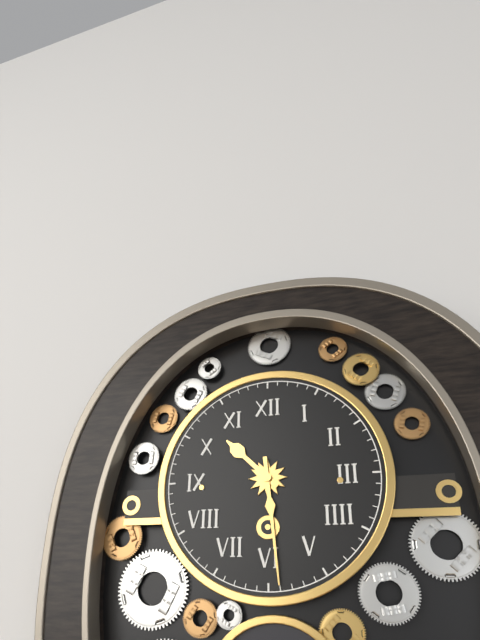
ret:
10:29
